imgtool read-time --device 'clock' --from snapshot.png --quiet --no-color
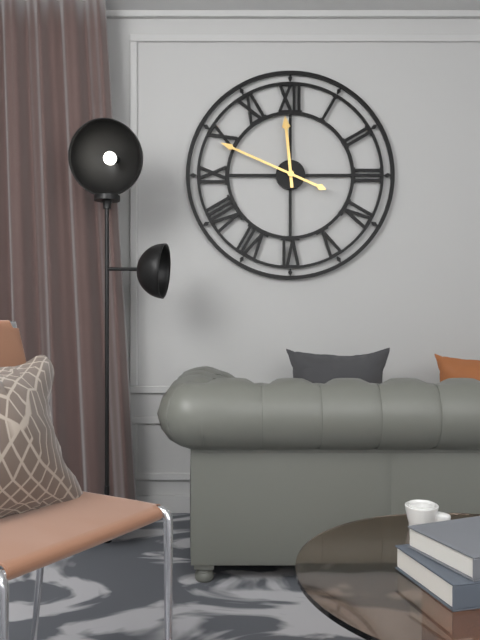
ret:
11:49
